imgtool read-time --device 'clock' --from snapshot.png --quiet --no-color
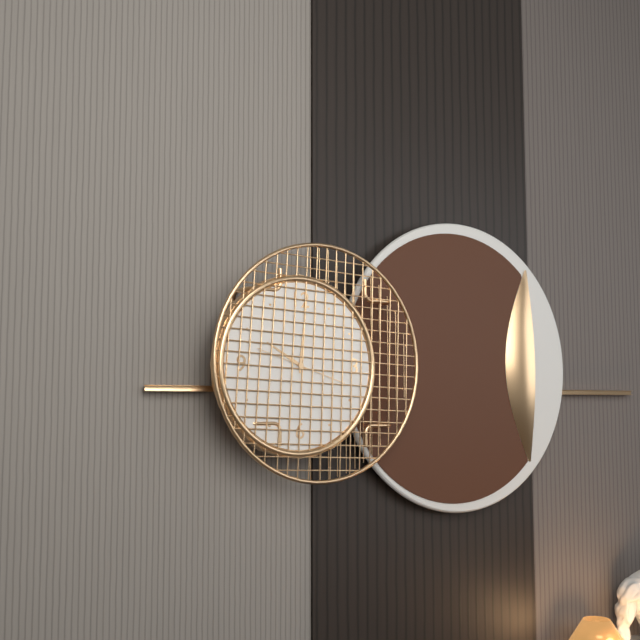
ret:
10:01:18
